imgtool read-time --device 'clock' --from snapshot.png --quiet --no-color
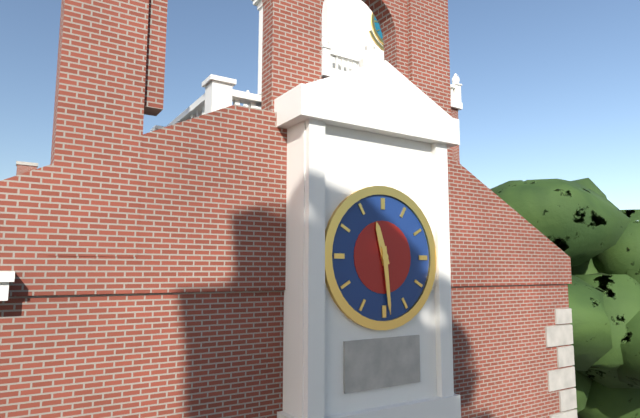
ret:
11:29
